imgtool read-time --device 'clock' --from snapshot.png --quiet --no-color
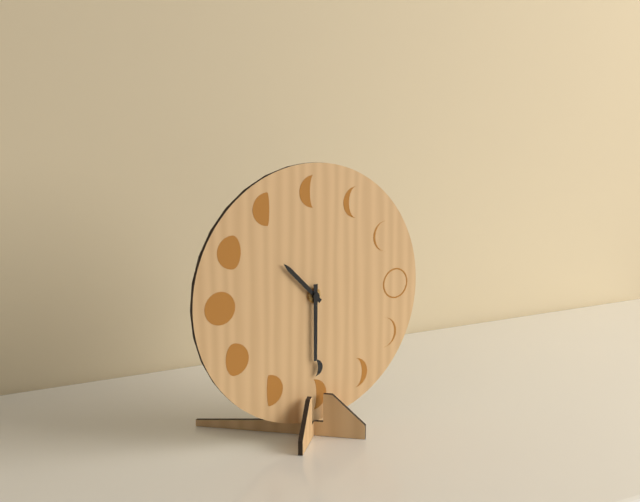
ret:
10:30
